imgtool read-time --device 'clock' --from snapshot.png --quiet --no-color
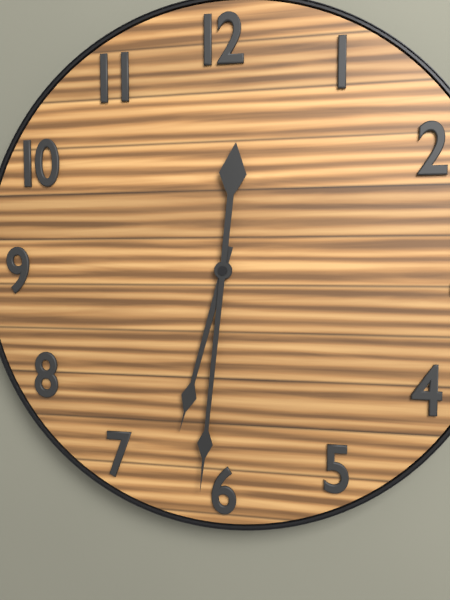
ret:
6:31
